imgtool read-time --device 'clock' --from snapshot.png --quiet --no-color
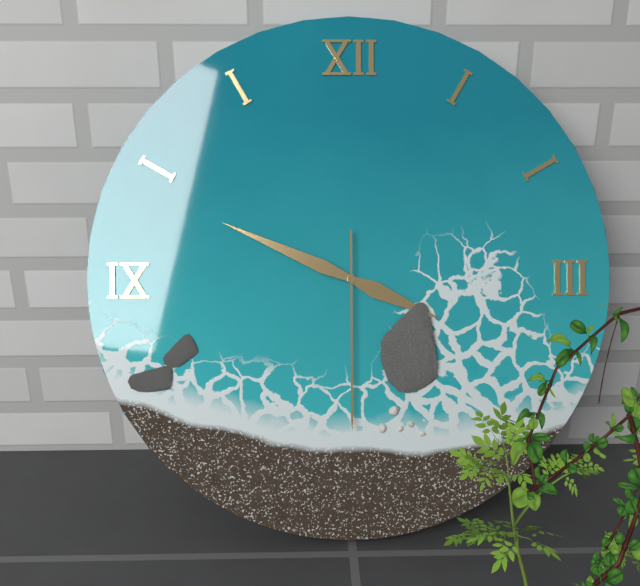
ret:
3:49:30
